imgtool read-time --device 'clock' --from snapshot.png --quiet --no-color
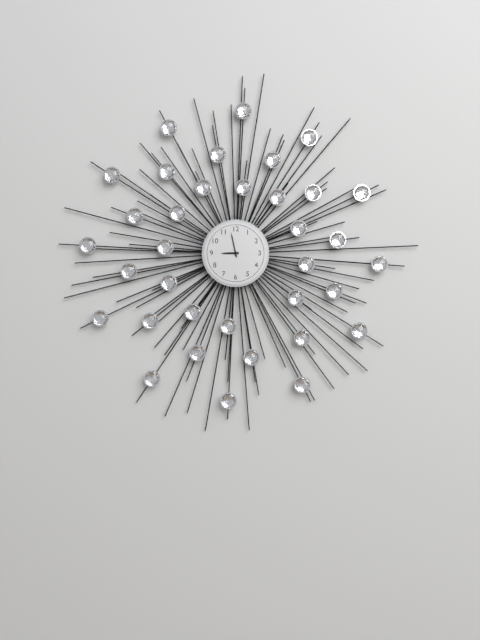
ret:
8:58
